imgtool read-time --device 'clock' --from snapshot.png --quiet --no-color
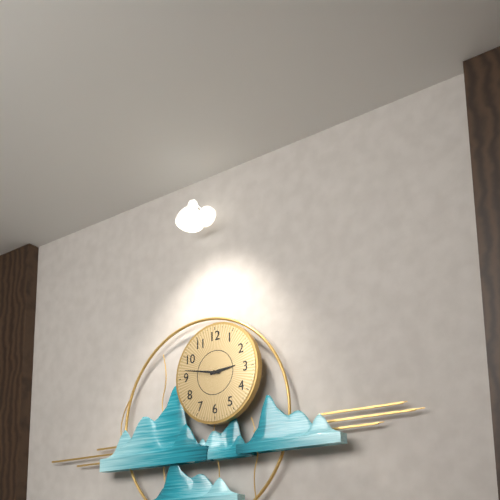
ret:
2:47
